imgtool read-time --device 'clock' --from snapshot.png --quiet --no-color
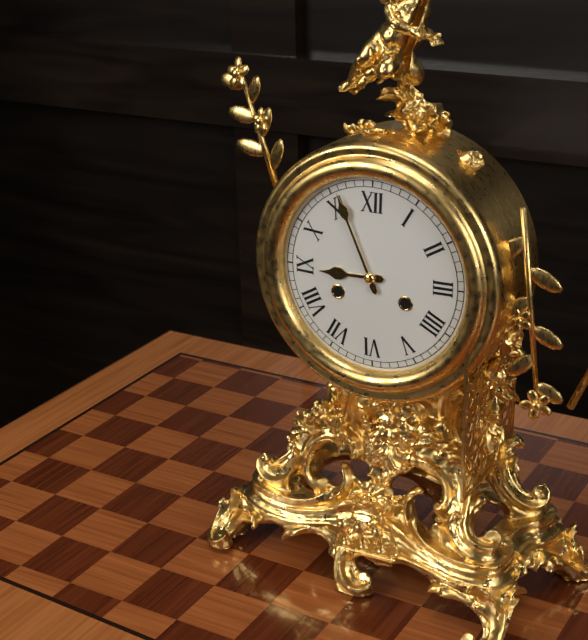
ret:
8:56
